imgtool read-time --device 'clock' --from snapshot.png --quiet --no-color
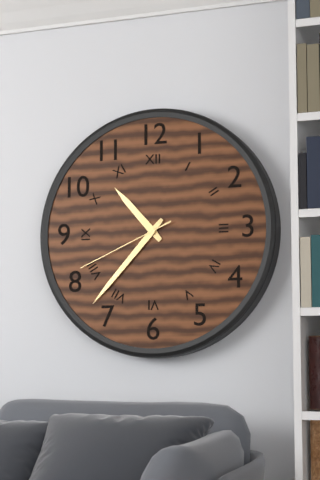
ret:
10:37:41
